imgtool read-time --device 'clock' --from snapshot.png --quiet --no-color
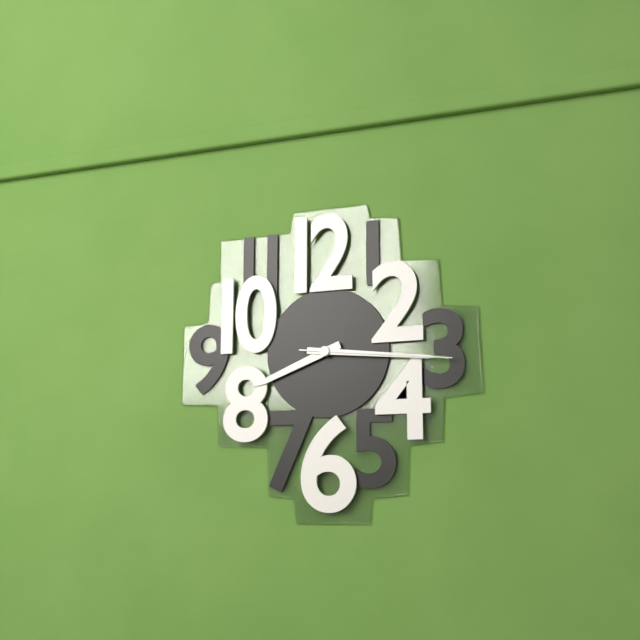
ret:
8:16:16
